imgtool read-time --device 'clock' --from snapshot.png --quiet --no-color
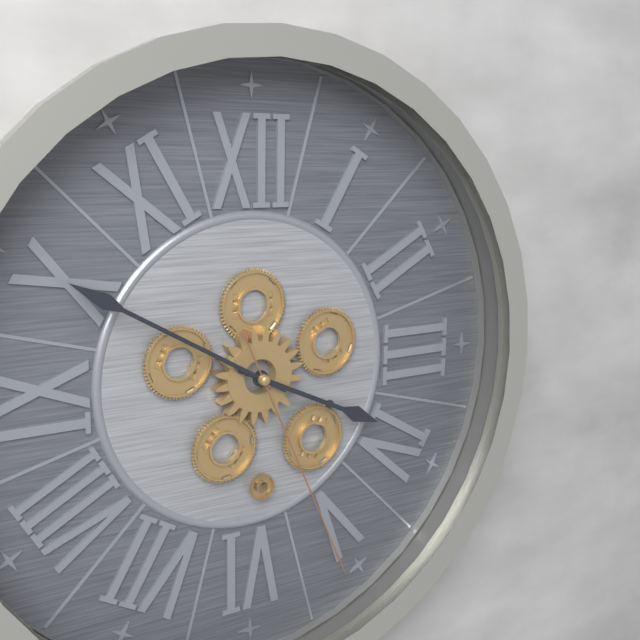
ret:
3:50:26
